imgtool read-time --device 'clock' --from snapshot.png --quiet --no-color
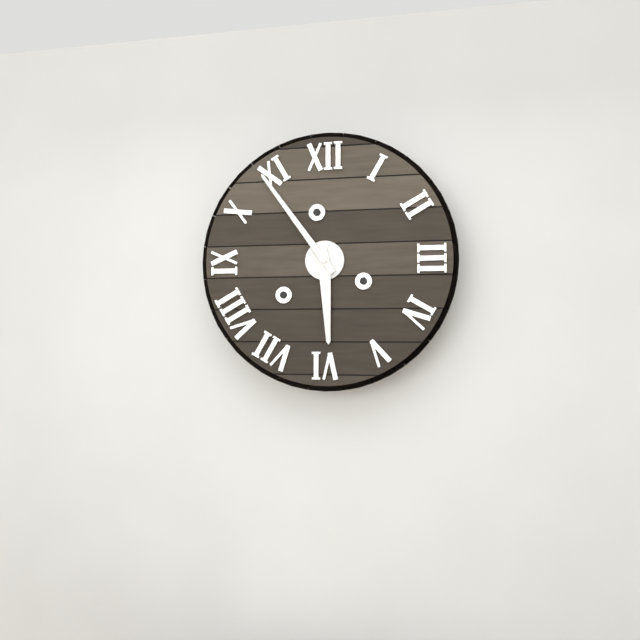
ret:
5:54
